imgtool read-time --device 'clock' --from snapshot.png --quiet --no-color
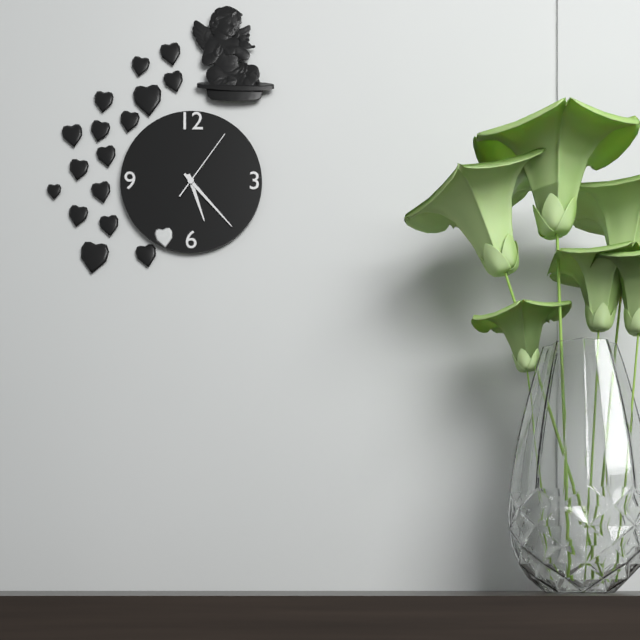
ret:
5:23:06
